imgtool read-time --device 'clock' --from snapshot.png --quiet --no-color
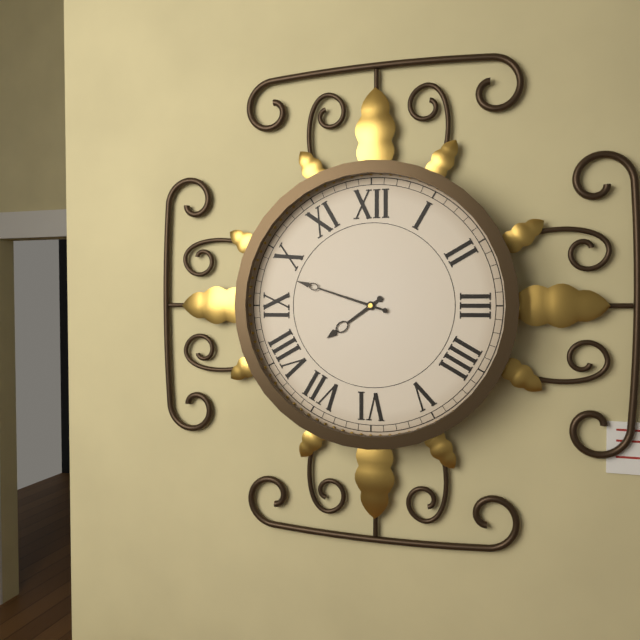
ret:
7:48
